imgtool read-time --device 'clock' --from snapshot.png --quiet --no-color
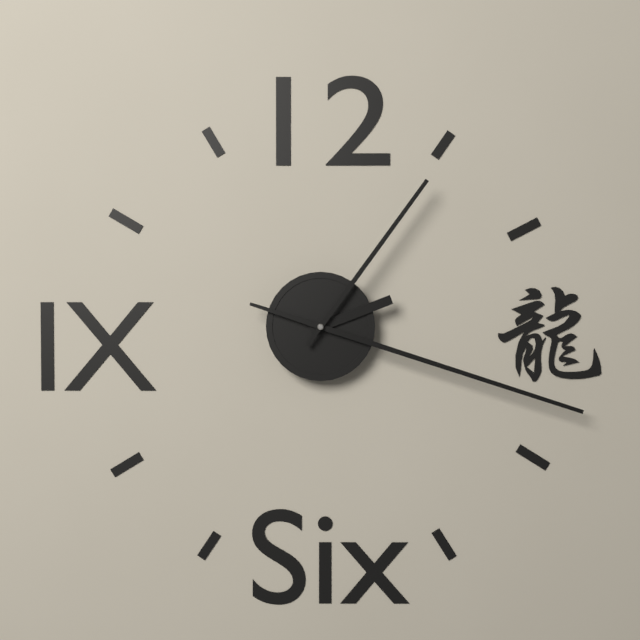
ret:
2:18:06
